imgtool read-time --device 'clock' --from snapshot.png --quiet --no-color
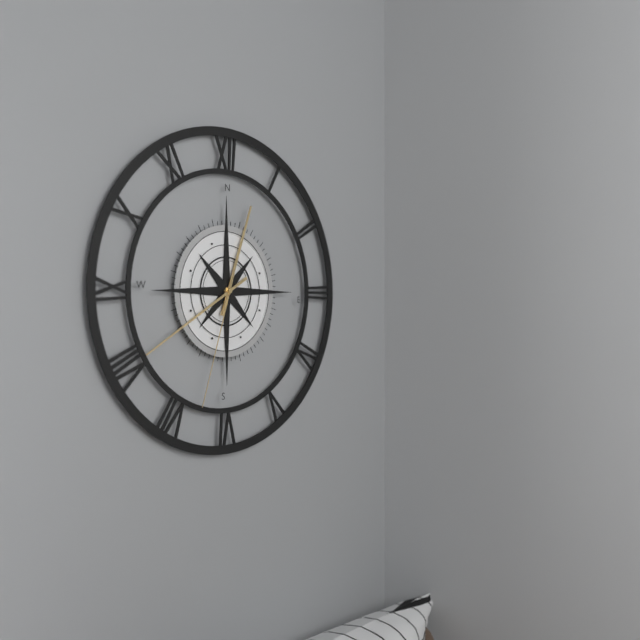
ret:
12:40:33
